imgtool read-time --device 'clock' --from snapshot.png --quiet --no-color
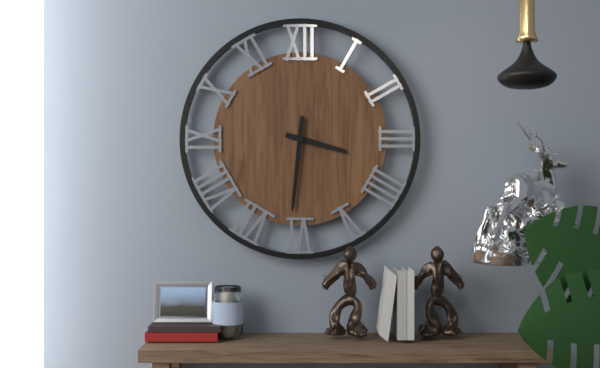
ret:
3:31
